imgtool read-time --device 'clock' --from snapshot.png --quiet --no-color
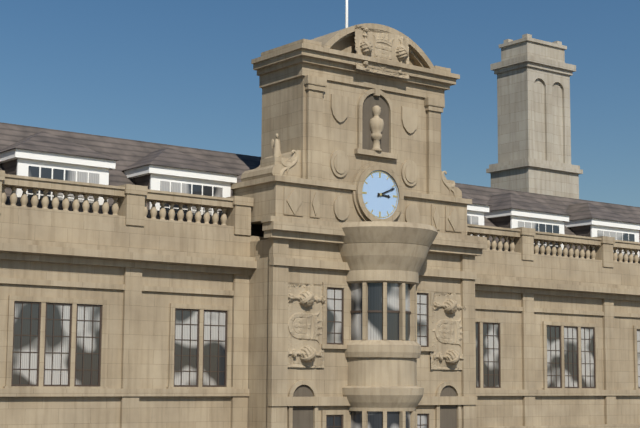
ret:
3:11
